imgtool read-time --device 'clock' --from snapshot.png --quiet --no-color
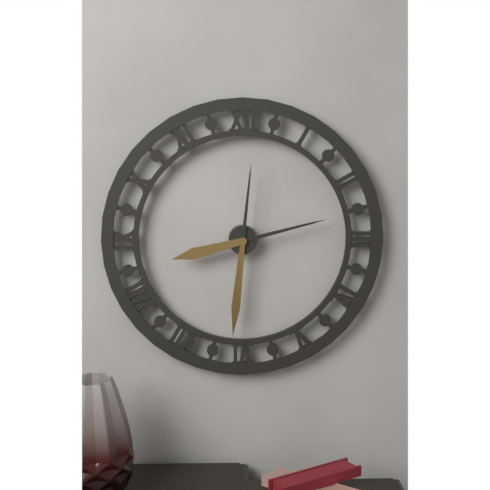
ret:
8:31
